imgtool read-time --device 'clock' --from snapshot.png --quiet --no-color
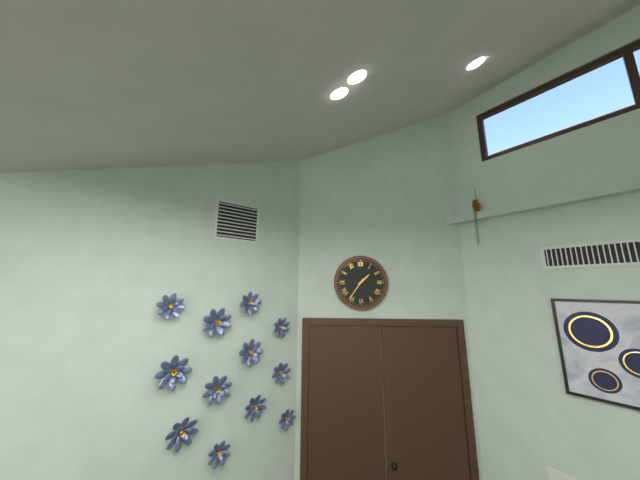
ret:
1:36
